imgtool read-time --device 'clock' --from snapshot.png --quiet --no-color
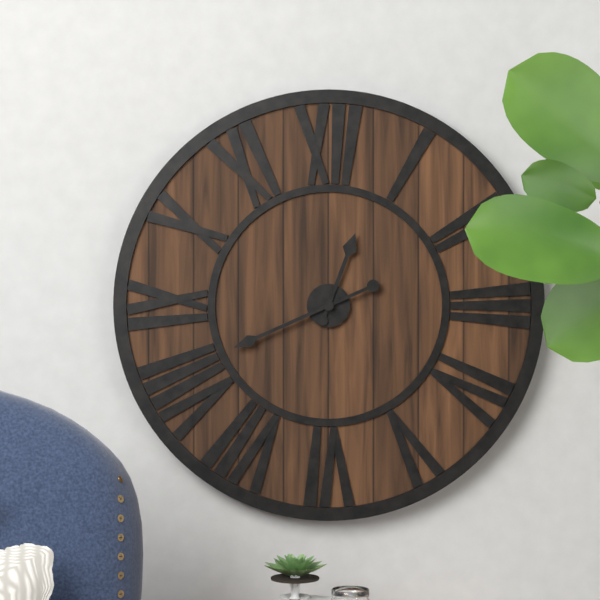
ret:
12:41
